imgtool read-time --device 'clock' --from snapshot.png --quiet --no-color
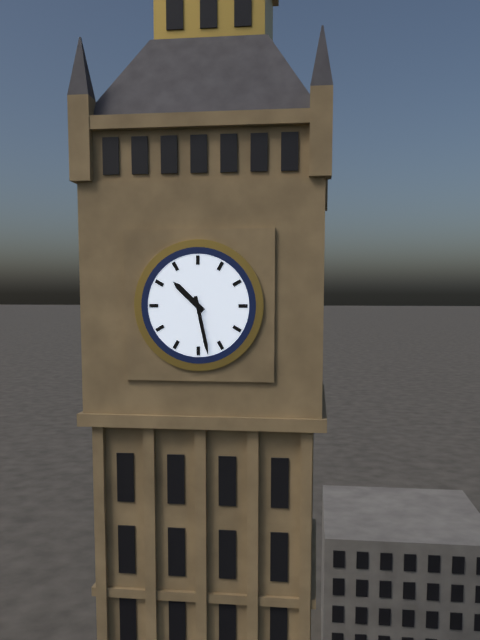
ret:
10:28
